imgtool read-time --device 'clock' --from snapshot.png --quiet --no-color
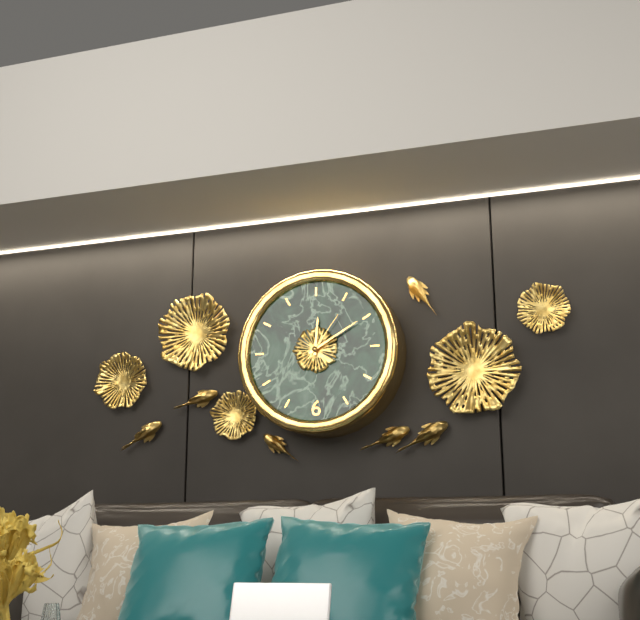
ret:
12:10:06
